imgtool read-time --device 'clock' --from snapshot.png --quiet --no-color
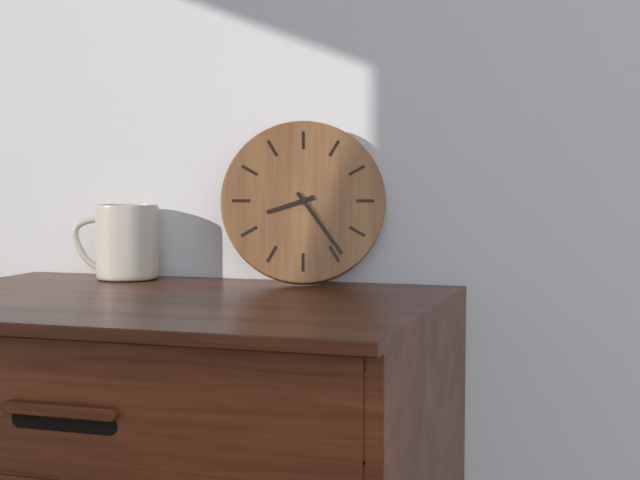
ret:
8:24
